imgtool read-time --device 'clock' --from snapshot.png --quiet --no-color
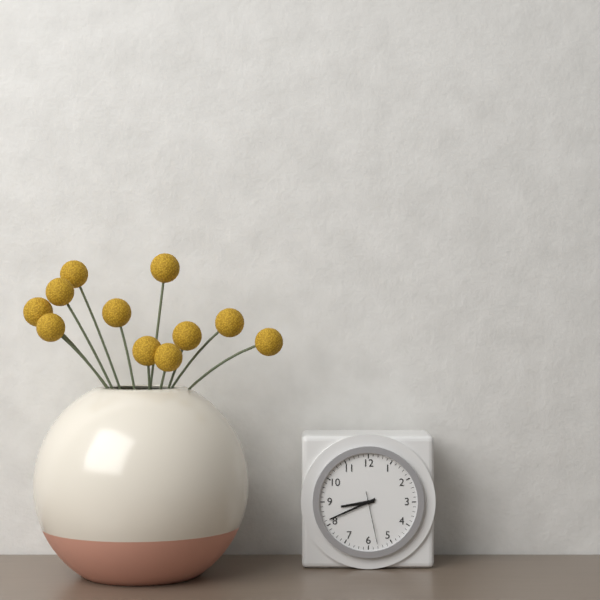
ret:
8:41:28
